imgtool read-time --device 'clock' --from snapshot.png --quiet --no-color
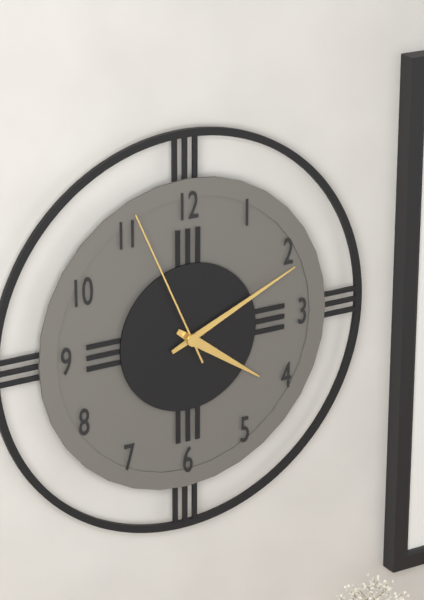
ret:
4:11:56
